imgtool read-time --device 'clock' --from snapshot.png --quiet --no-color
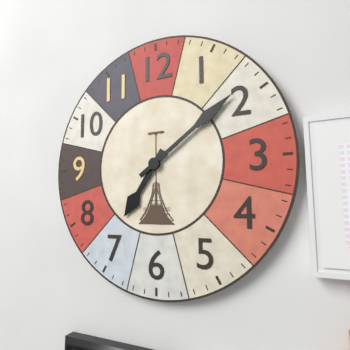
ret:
7:09
